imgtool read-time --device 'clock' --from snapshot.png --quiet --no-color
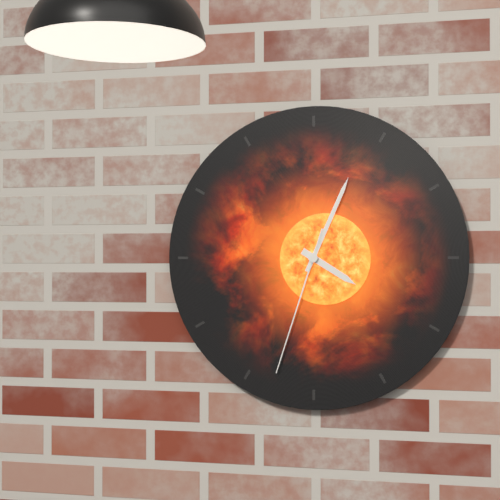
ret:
4:04:33
